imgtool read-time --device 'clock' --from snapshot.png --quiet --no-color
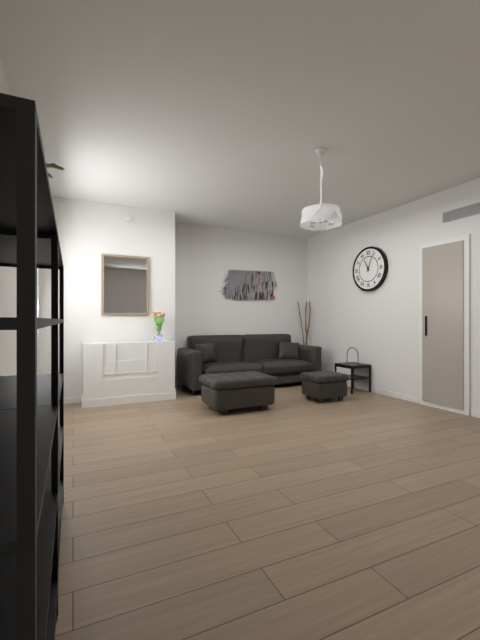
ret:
11:04
